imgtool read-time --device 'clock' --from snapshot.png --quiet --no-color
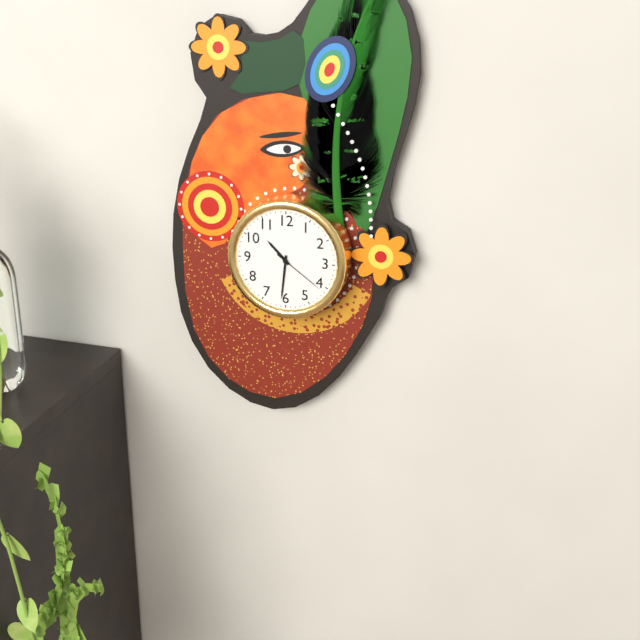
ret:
10:31:21
